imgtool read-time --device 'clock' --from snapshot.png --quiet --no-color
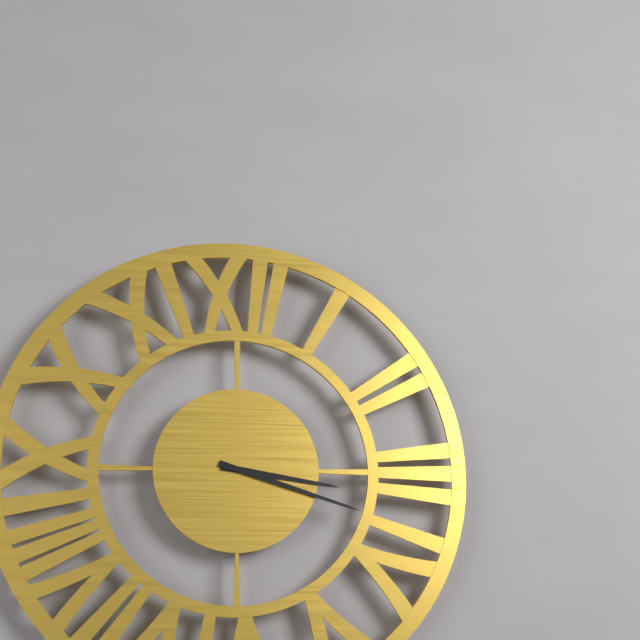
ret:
3:18
